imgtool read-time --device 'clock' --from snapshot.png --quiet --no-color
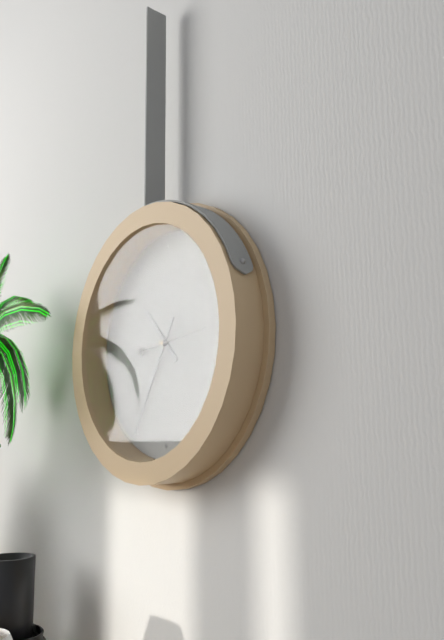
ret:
10:35
